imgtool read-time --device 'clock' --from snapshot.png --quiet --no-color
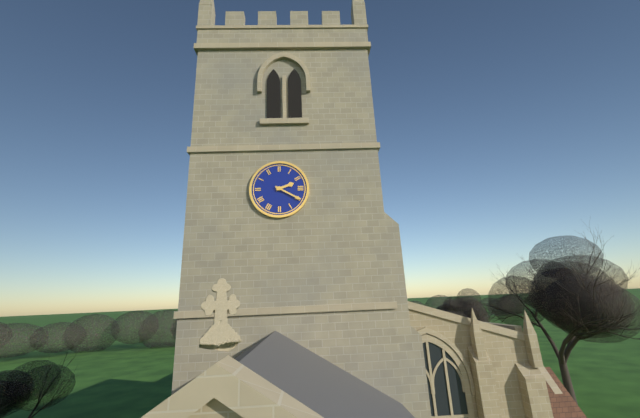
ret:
2:20
